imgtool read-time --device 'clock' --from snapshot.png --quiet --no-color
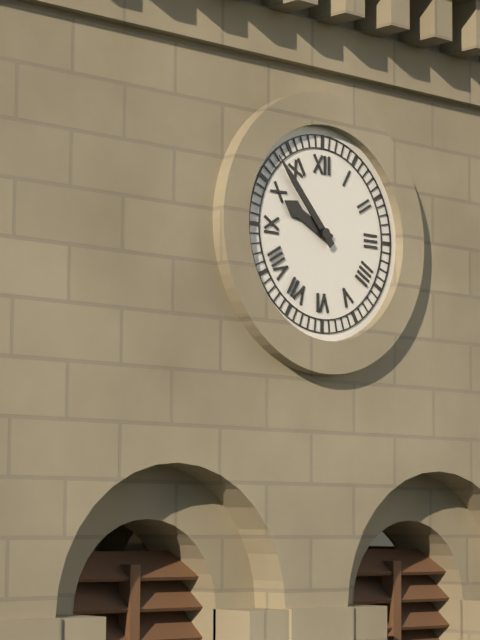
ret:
9:53
